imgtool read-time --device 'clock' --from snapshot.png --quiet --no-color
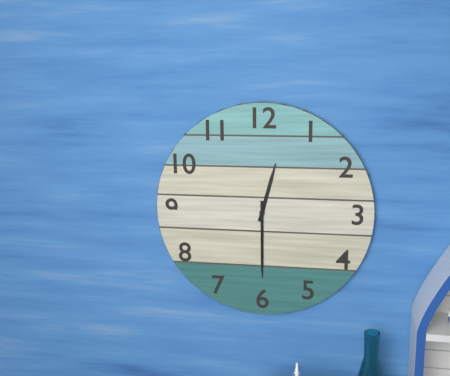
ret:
12:30
